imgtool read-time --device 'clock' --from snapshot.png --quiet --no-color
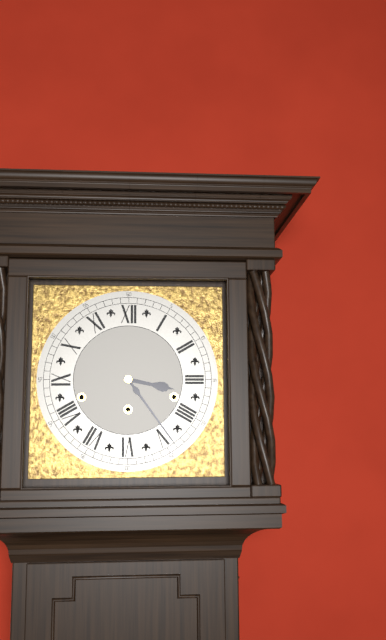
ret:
3:24
